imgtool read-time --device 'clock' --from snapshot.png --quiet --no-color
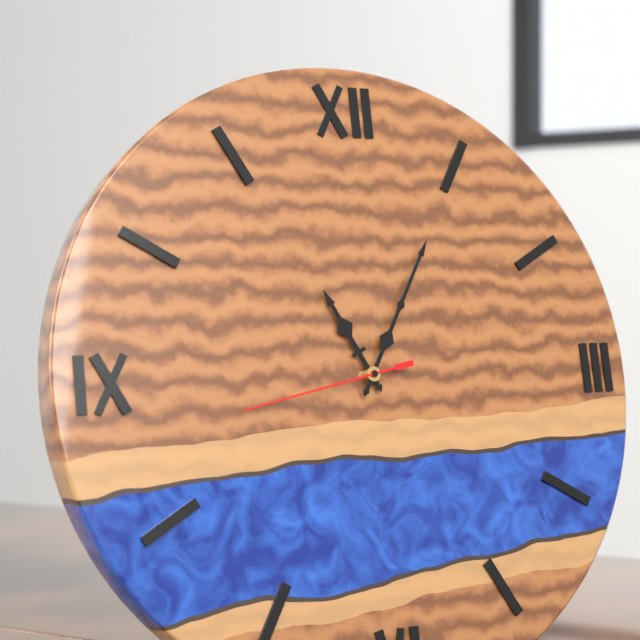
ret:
11:05:43
